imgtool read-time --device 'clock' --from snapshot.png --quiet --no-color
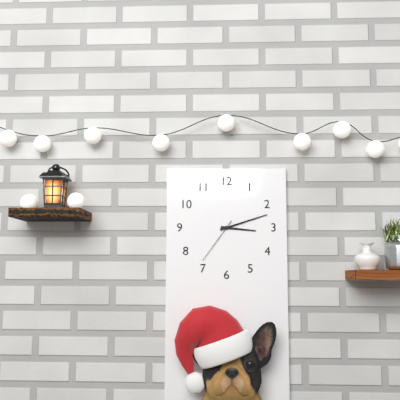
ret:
3:12:36
